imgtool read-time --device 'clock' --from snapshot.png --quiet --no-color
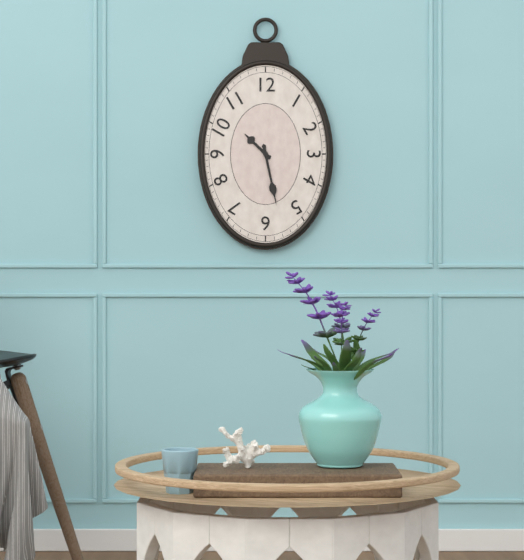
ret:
10:28
